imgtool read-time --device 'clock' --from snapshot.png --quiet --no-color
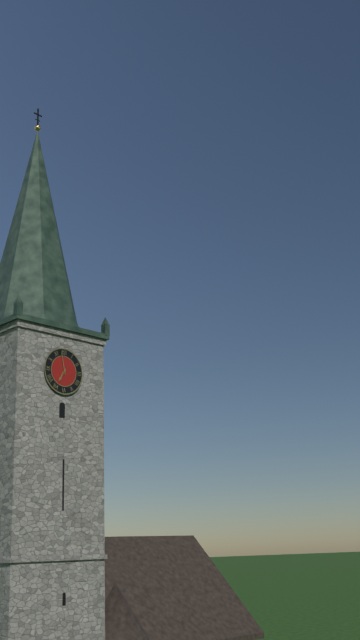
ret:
6:58
